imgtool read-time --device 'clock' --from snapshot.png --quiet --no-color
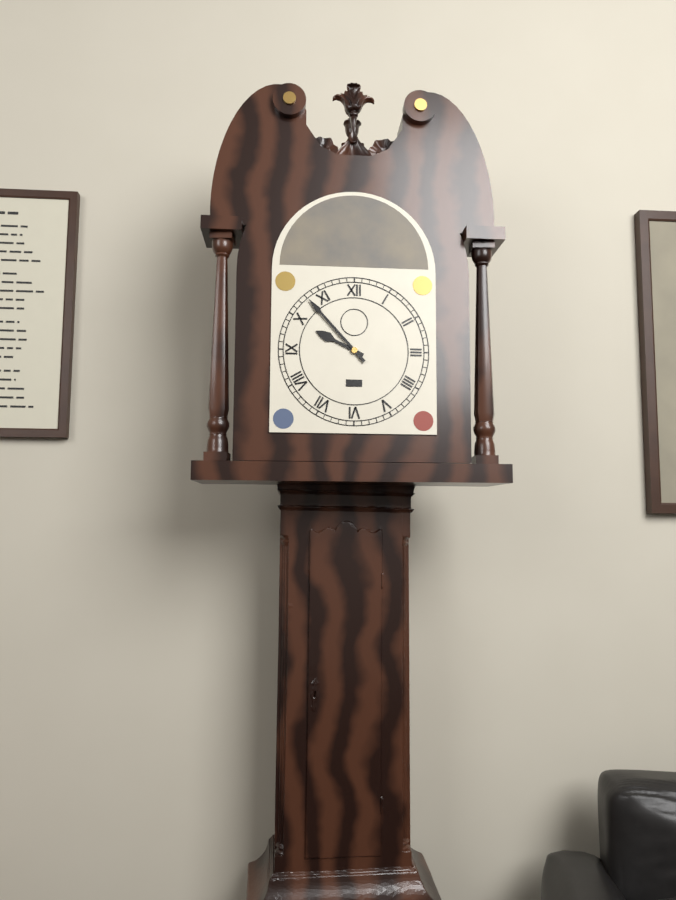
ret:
9:53
